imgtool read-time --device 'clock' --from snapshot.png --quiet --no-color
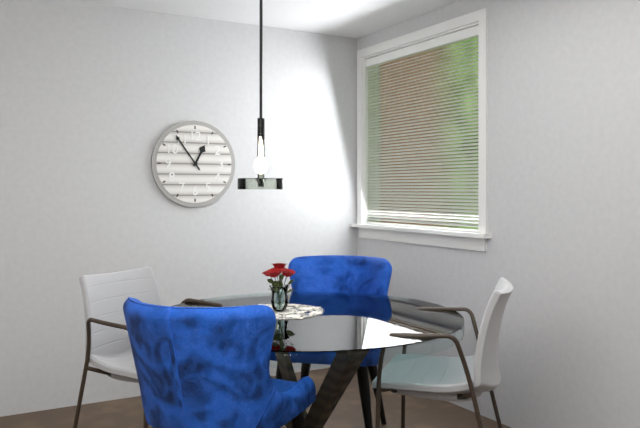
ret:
12:54
